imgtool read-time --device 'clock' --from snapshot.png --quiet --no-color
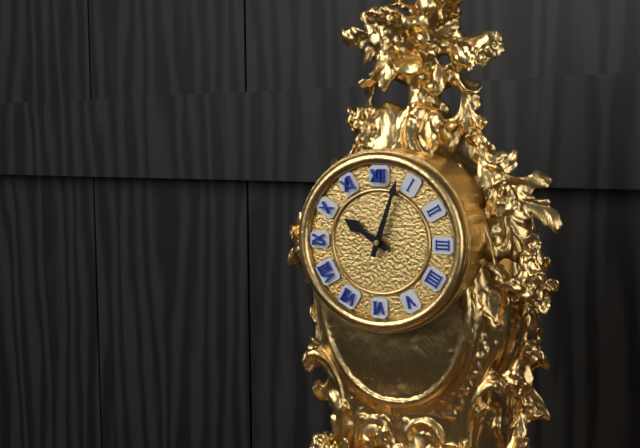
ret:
10:03
